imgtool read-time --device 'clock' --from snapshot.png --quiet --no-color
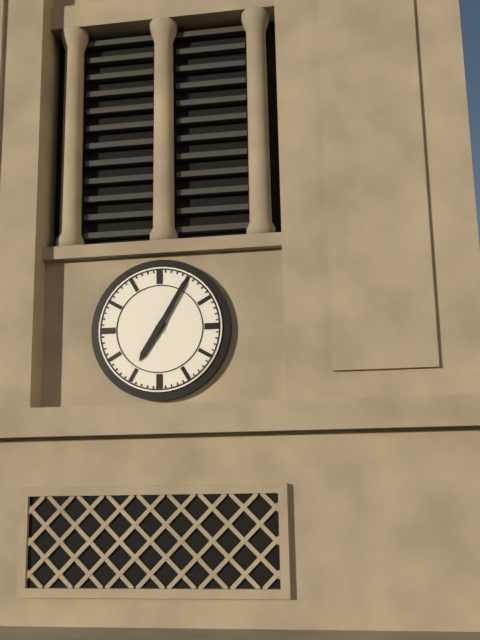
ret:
7:05
